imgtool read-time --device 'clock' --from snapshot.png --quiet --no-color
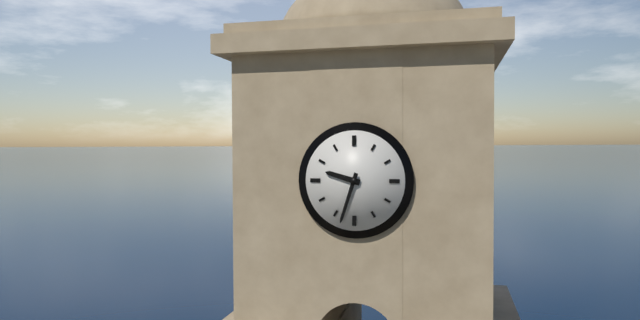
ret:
9:33
